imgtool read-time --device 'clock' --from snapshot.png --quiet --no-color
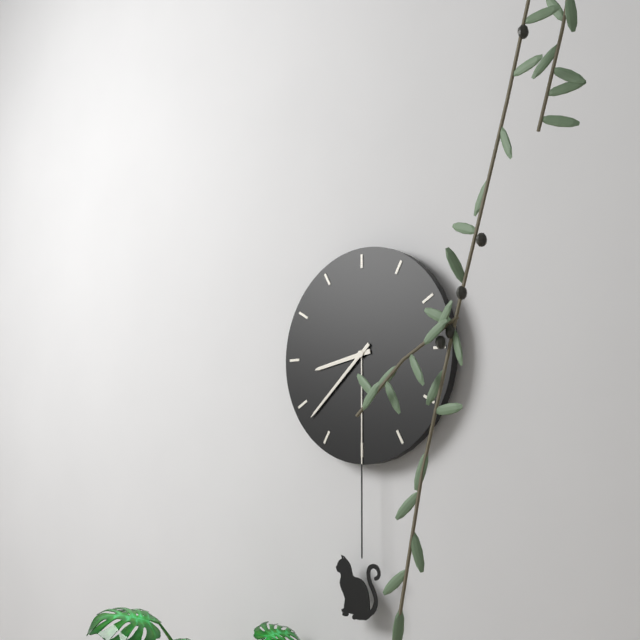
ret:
8:38
